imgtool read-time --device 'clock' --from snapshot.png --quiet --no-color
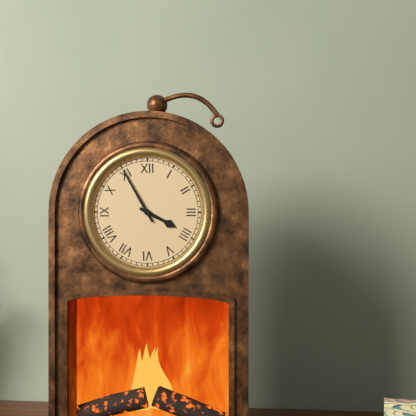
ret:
3:55
